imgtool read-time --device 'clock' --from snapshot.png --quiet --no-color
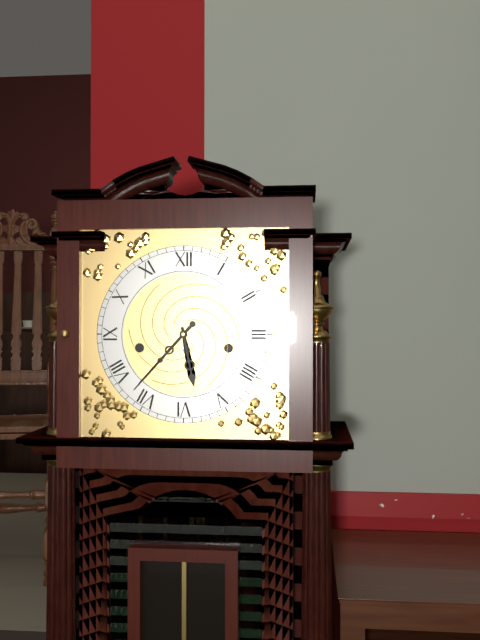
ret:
5:37
